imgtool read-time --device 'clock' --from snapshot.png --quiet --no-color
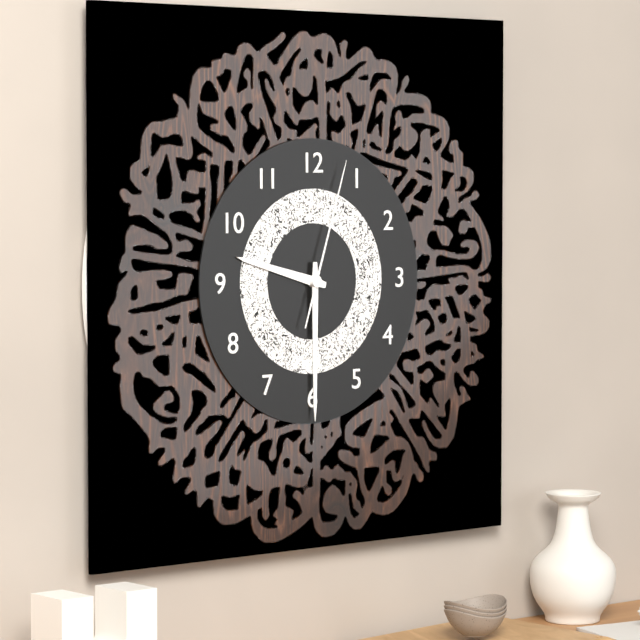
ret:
9:30:03
